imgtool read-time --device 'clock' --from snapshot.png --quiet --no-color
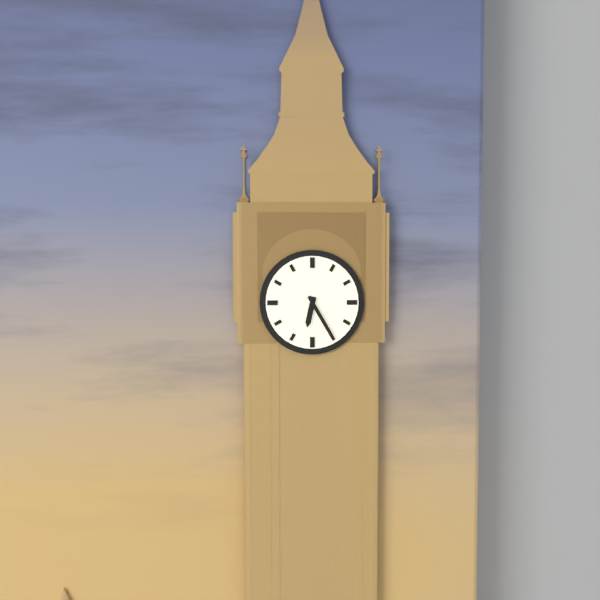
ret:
6:25
